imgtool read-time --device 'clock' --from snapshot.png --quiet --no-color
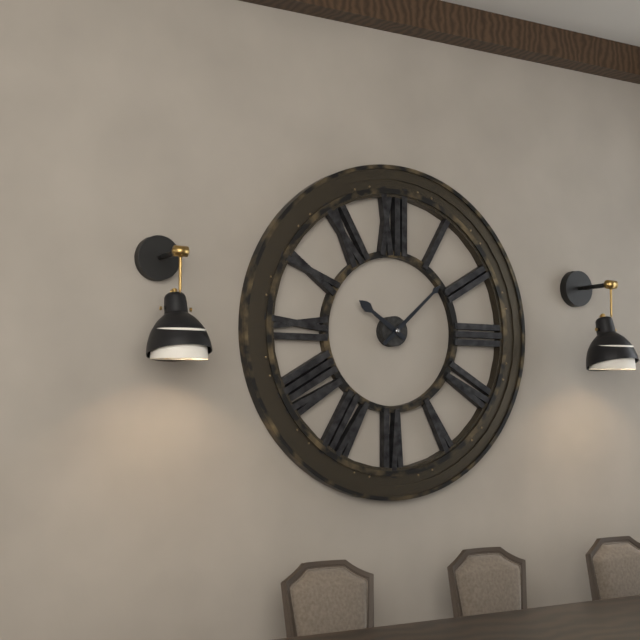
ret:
10:08
